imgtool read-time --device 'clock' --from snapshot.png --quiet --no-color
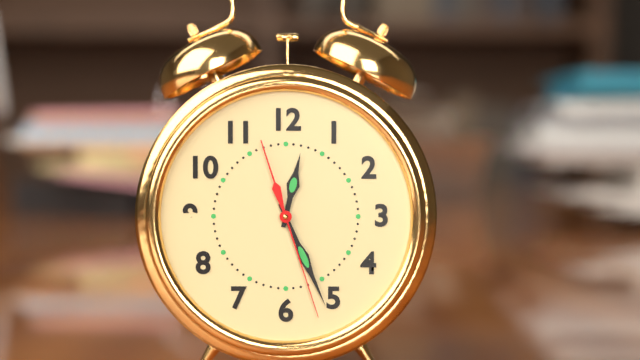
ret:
12:26:27
